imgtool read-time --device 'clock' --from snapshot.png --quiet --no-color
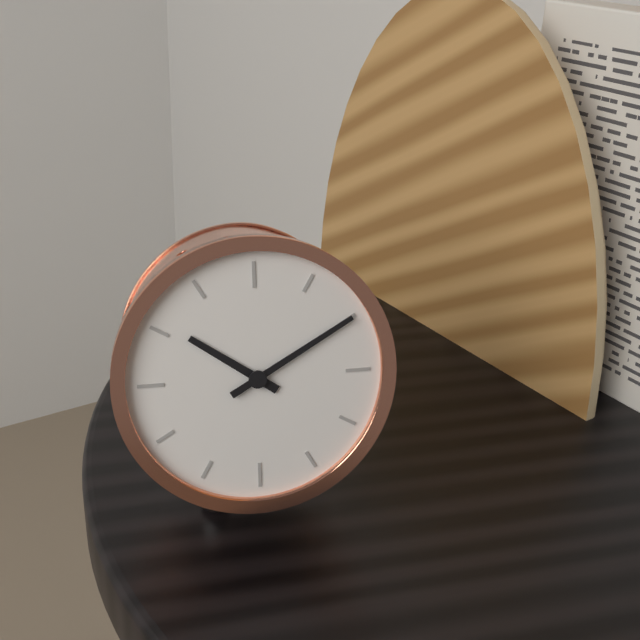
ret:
10:10
